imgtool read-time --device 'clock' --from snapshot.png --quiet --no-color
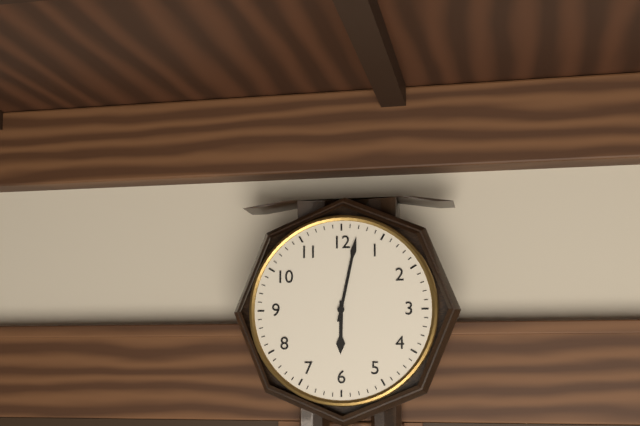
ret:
6:02
